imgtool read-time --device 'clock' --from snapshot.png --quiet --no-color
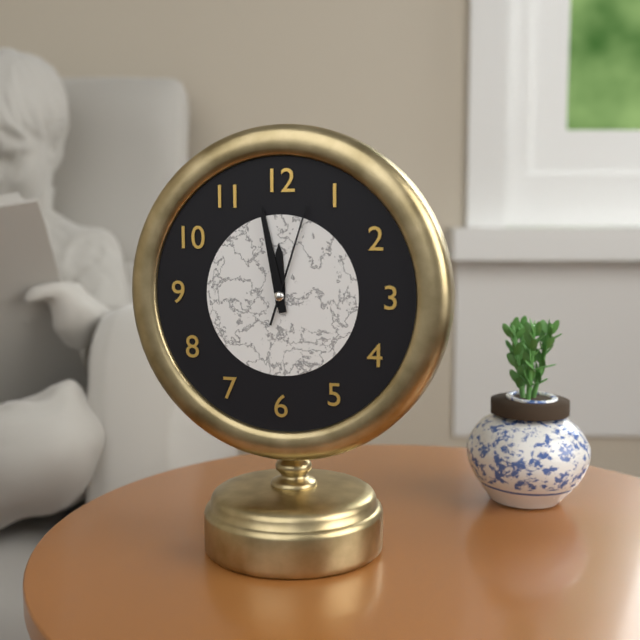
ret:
11:58:03
